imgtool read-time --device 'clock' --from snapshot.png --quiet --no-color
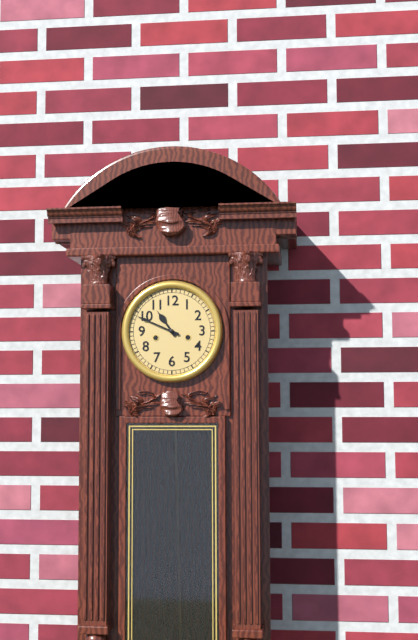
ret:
10:49
